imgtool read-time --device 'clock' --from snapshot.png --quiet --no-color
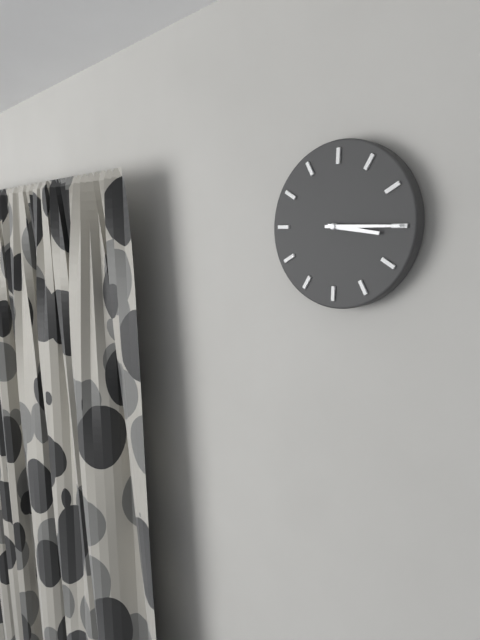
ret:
3:15
